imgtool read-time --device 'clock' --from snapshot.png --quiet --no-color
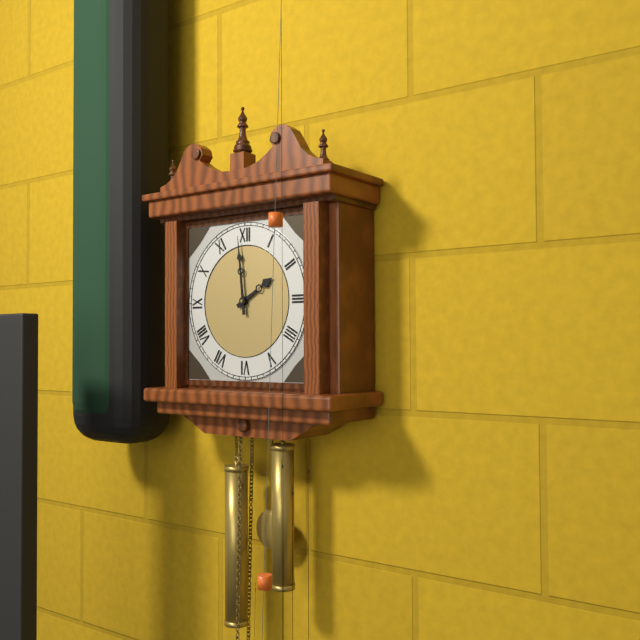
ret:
1:59
